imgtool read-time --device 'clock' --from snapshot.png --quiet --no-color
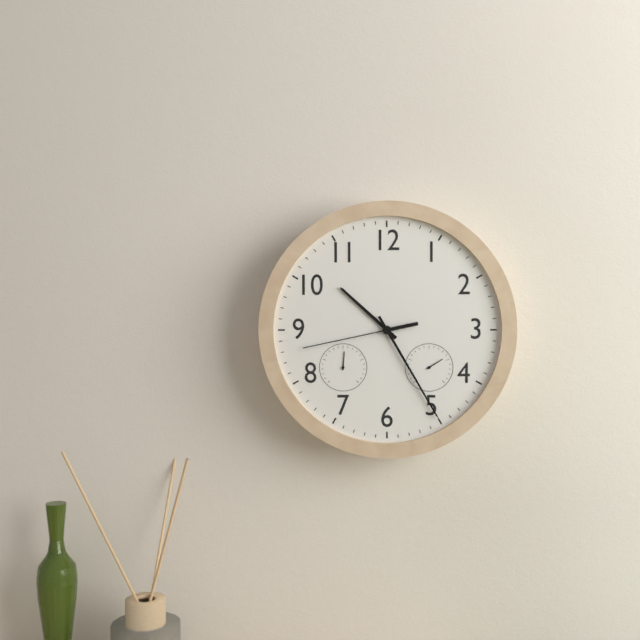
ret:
10:25:43
